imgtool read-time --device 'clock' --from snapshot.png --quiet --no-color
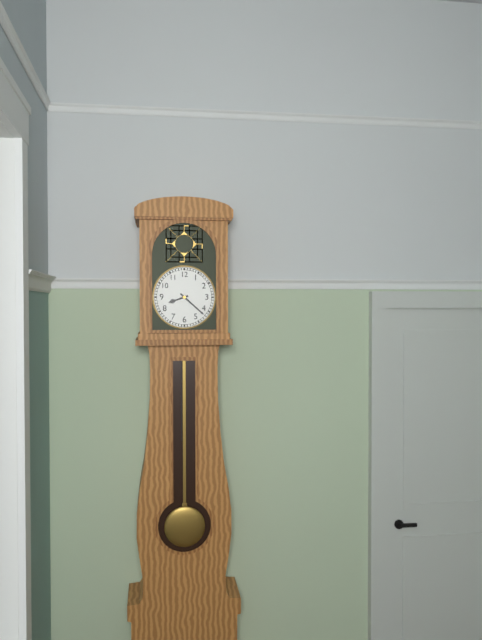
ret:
8:22
